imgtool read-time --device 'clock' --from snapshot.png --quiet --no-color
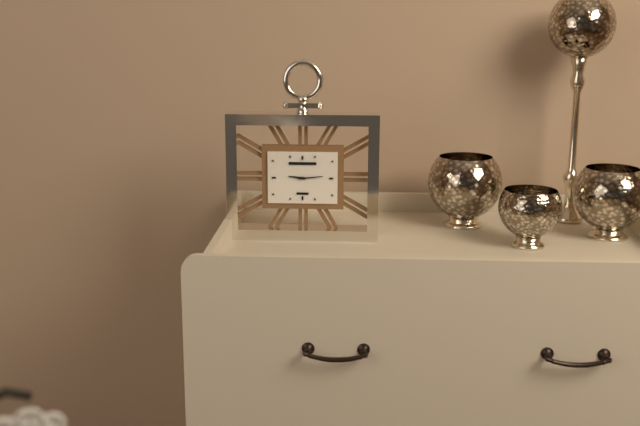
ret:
9:14
